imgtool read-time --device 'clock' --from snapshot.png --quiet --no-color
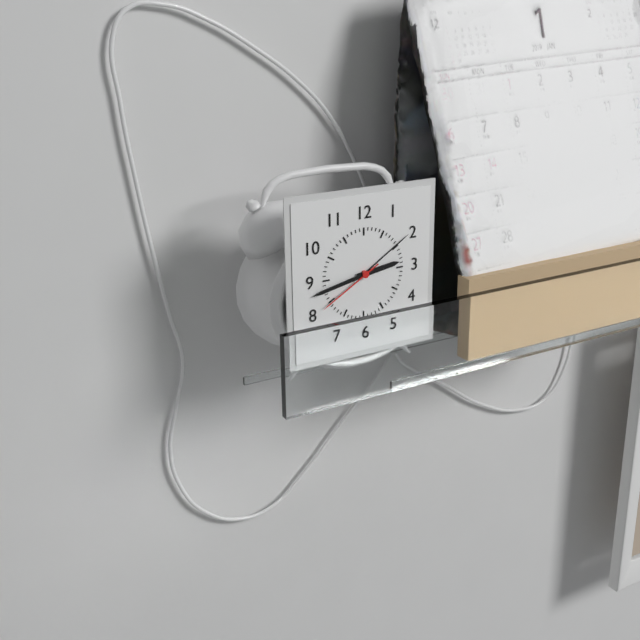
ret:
2:43:40
